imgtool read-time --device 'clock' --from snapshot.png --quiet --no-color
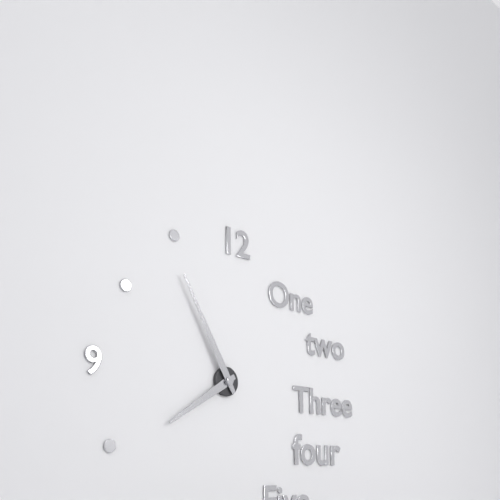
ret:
7:55
